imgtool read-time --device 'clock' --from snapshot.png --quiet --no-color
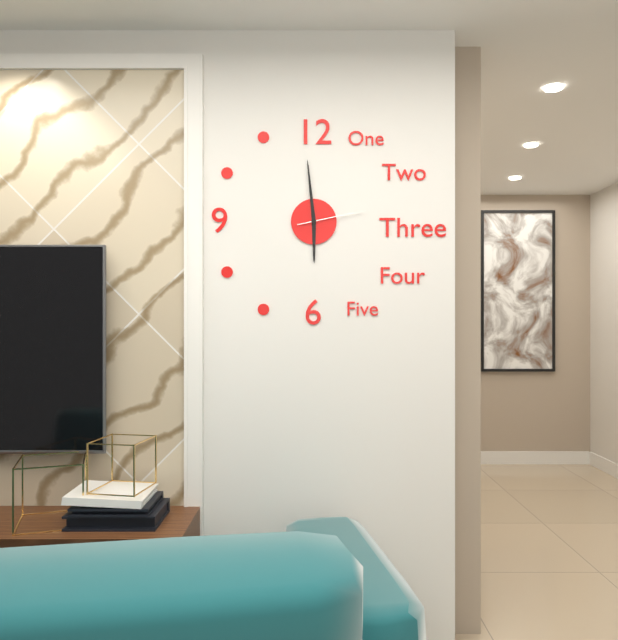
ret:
5:59:13
